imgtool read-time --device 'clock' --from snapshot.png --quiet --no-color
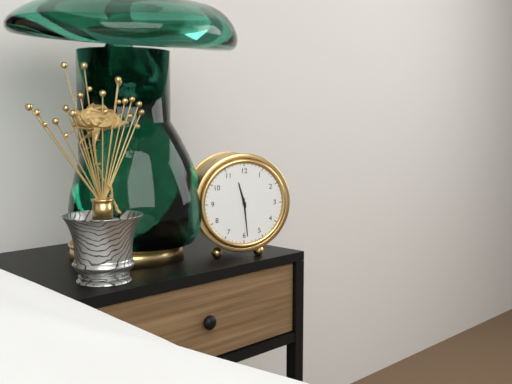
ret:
11:29
